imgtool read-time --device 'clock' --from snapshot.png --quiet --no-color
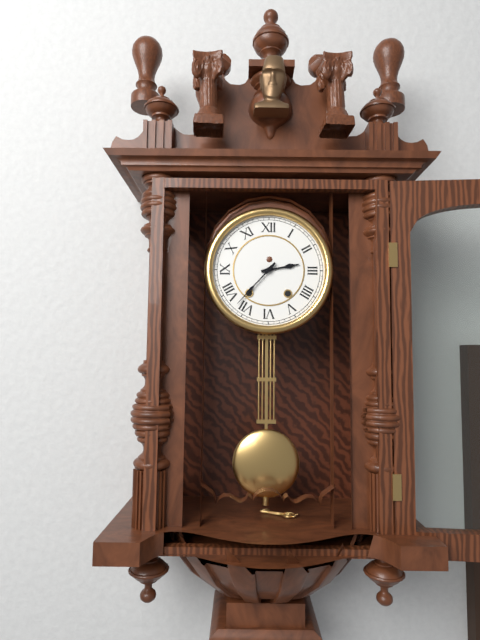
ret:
2:37
